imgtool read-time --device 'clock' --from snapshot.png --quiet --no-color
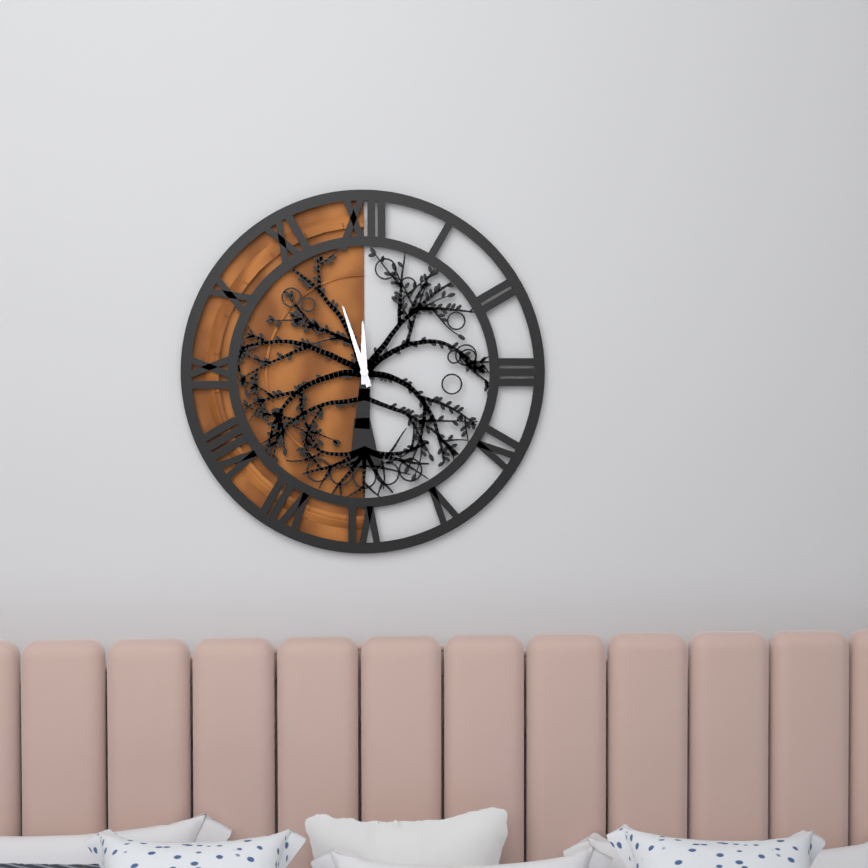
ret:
11:57
